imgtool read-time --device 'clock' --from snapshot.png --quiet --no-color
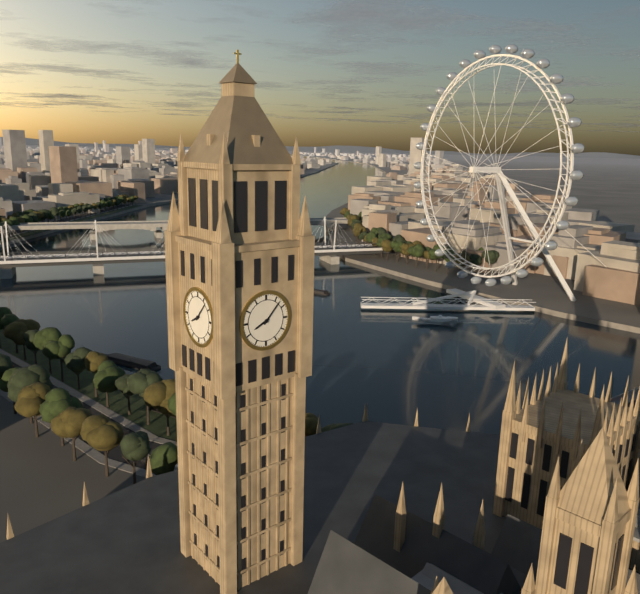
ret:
8:07
